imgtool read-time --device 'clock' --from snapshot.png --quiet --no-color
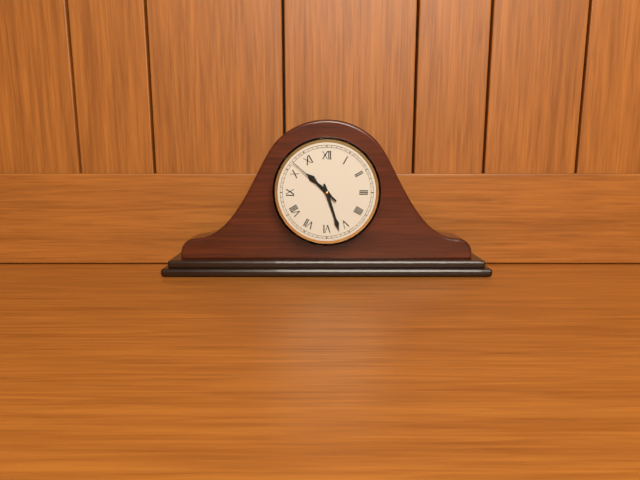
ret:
10:27:52
